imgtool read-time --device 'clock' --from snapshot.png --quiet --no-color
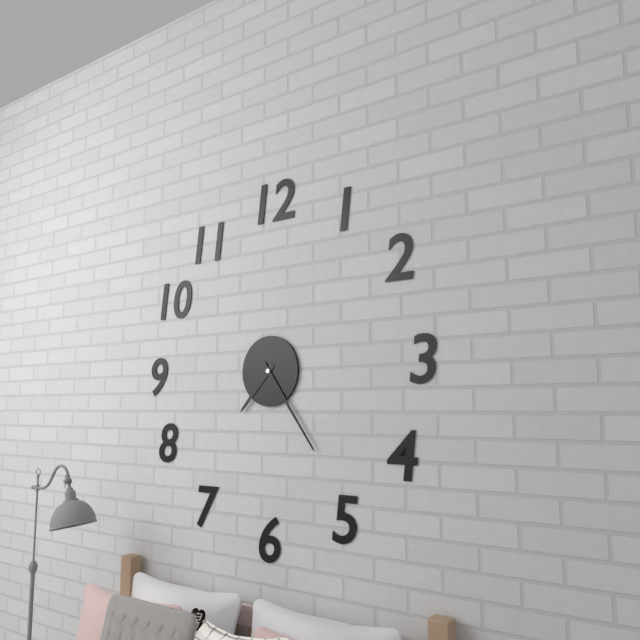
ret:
7:24
